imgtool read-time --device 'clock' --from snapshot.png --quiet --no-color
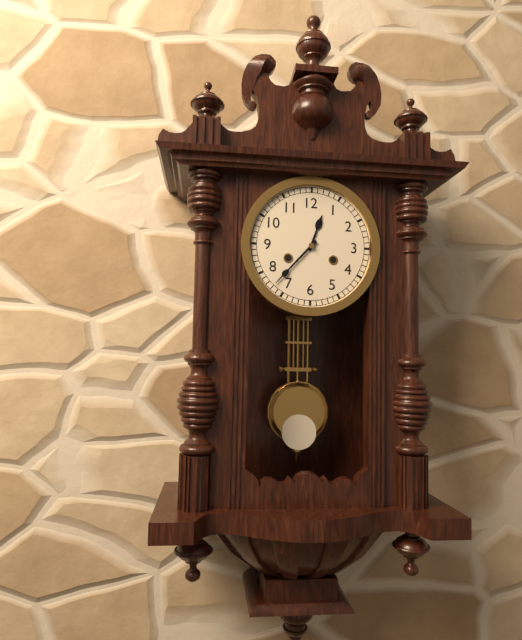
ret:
12:37
